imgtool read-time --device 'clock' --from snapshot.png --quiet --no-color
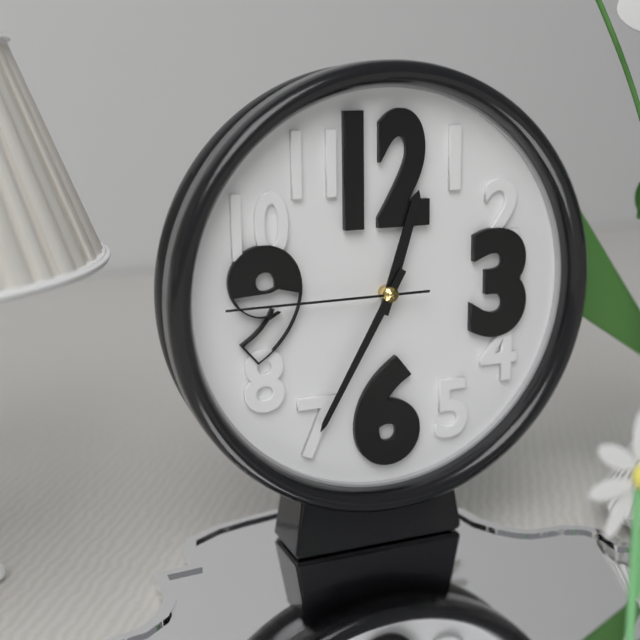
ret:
12:35:45
